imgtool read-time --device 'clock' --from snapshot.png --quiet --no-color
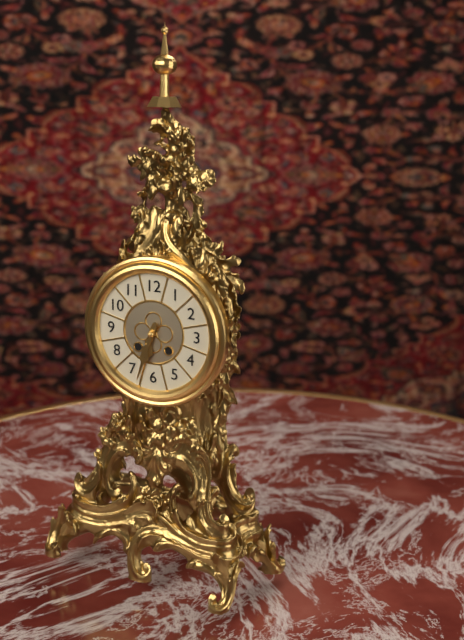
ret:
6:33
